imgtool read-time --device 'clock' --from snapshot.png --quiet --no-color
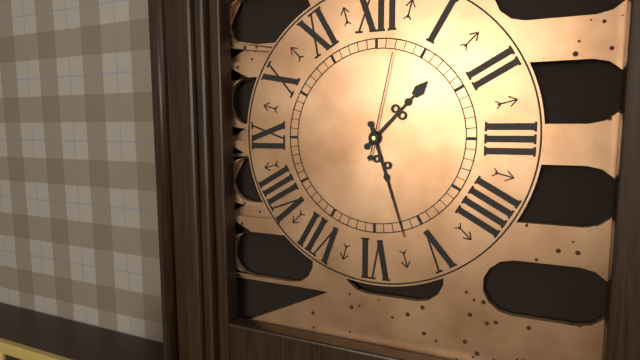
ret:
1:27:02
